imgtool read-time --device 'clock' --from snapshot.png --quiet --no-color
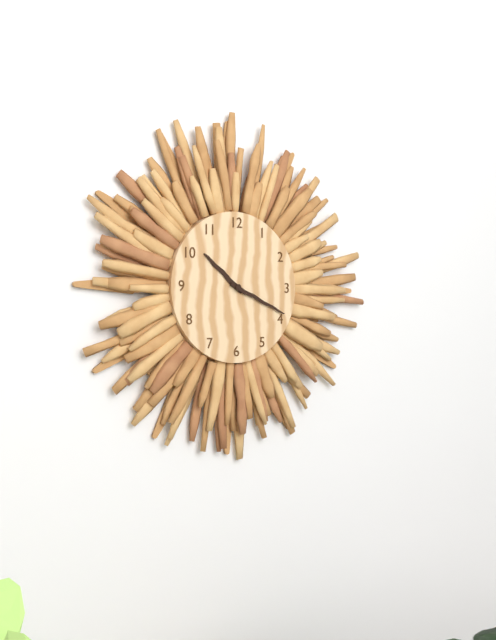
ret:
10:19
